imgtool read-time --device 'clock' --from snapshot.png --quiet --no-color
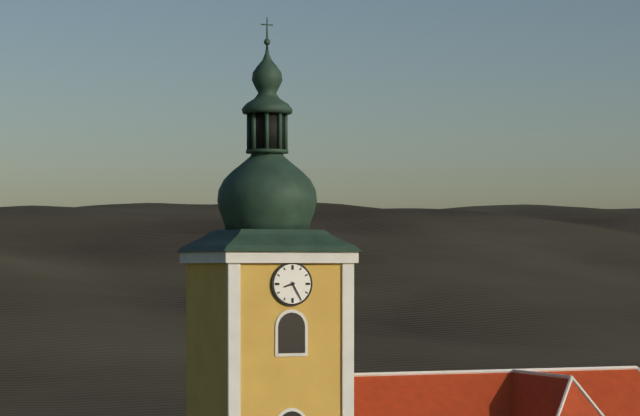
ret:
8:25
